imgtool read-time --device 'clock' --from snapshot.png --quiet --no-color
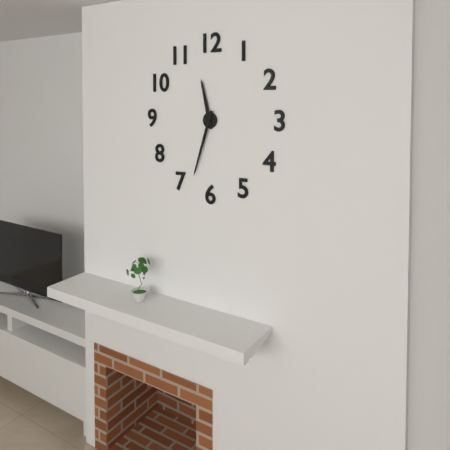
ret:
11:33
